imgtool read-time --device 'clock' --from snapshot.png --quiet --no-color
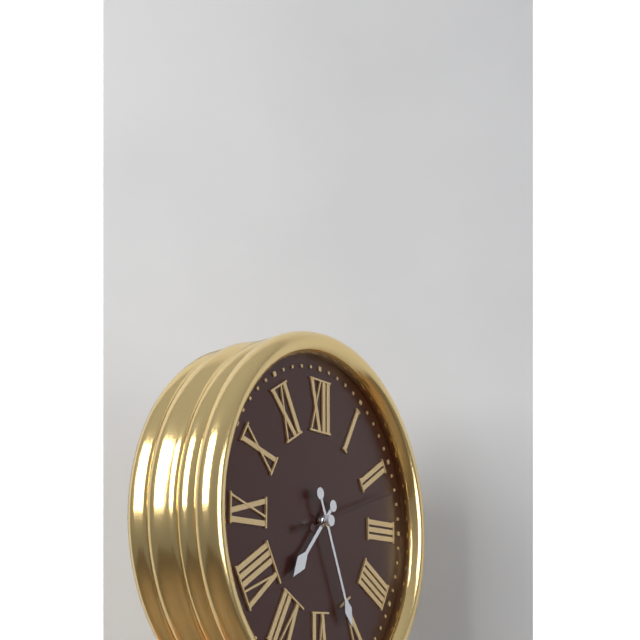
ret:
7:26:12
